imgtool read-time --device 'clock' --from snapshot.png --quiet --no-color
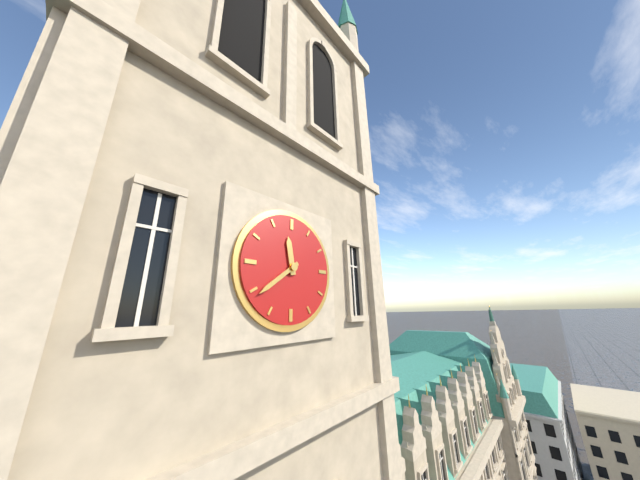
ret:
11:39
